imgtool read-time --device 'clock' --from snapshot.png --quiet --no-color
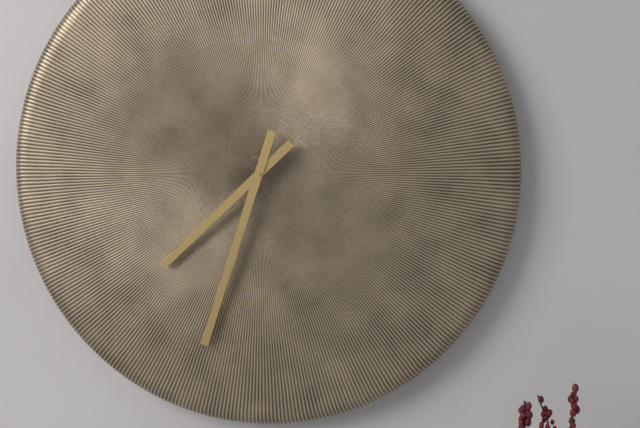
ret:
7:33
